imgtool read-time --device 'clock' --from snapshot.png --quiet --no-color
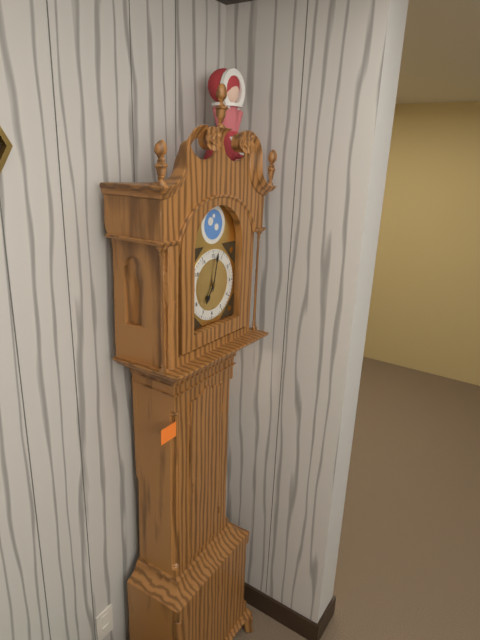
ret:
7:02
